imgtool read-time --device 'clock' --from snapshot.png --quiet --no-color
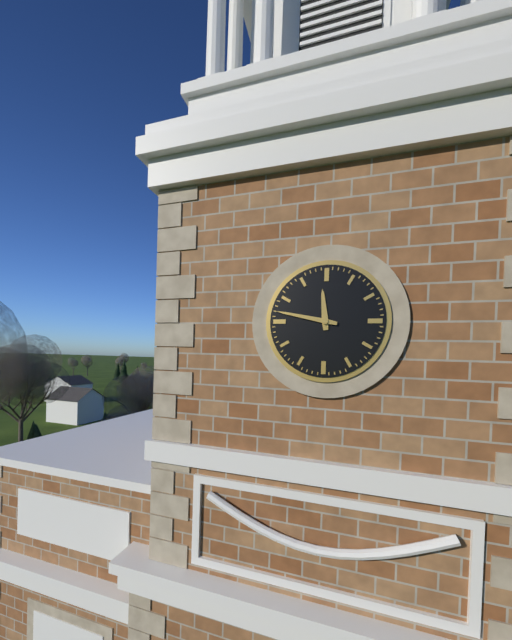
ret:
11:47
